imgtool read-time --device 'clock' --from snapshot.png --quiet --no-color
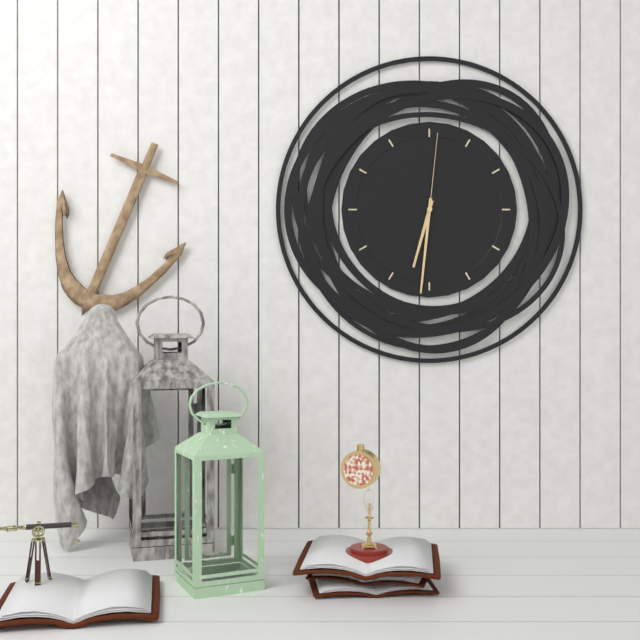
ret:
6:31:01
